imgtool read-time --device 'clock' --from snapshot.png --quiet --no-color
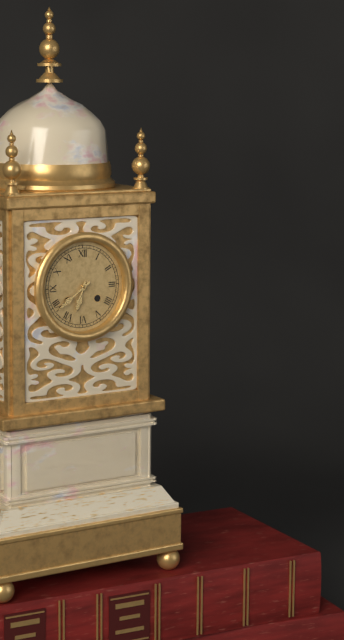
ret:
6:39
